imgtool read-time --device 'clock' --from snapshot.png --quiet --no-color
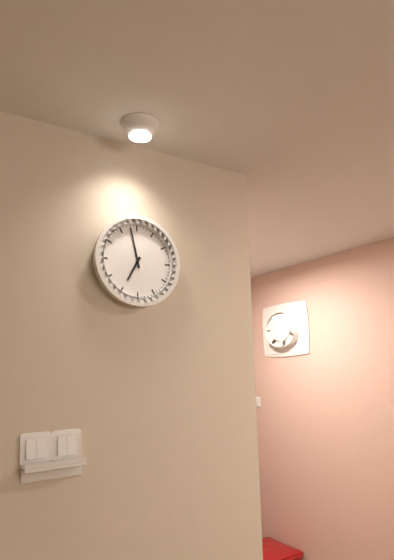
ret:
6:58
